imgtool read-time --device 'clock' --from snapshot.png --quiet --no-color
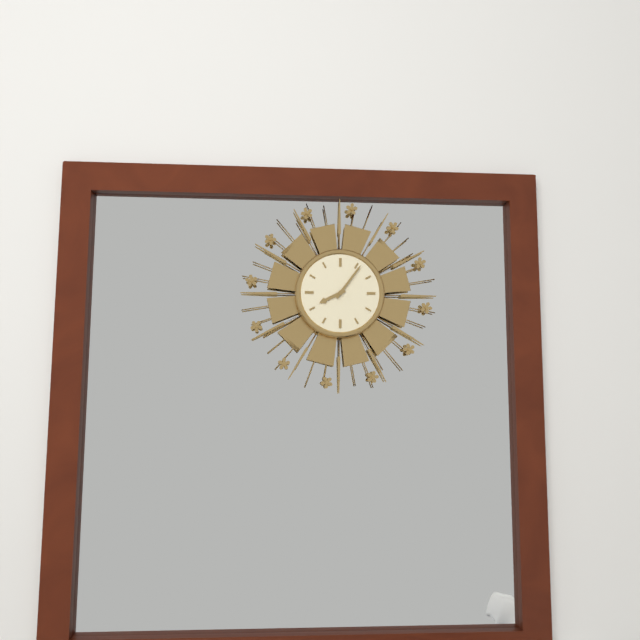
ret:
8:06
